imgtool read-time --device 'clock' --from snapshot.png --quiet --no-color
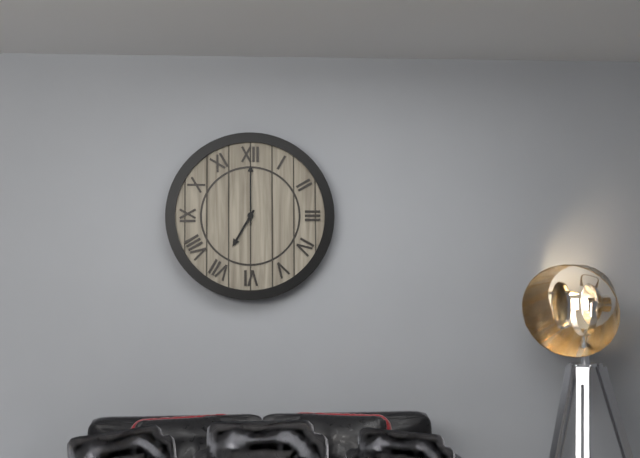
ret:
7:00
